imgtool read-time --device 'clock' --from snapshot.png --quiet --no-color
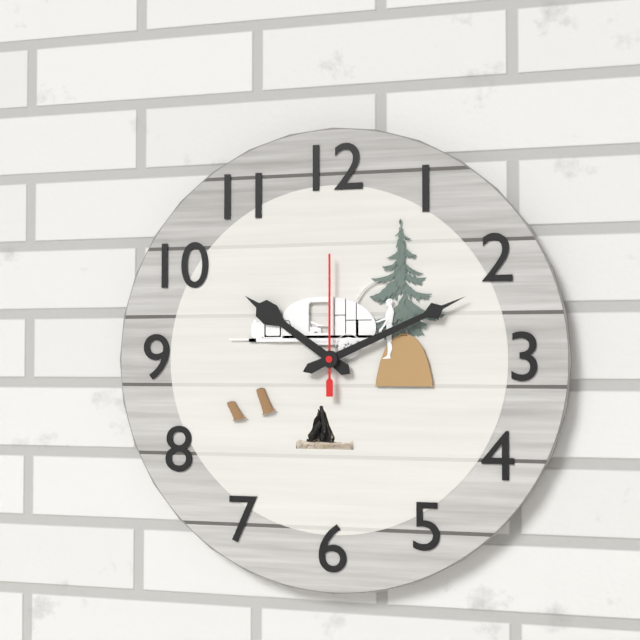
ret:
10:11:00
